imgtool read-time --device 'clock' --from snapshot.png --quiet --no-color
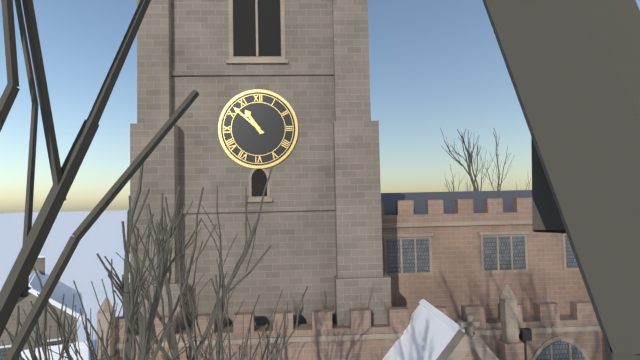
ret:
10:52
